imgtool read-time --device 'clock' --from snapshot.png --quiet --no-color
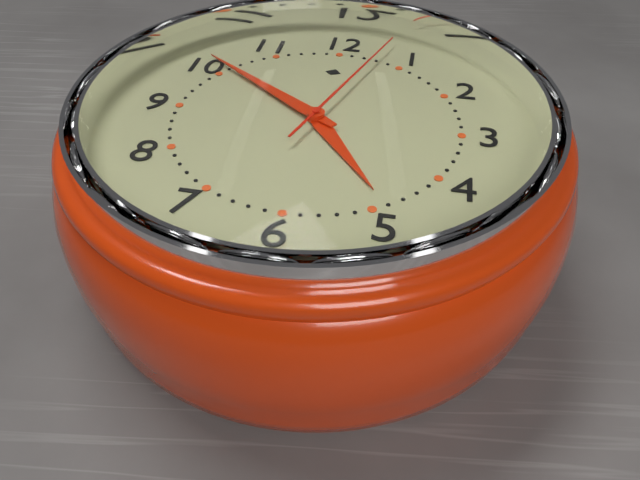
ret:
4:51:03
